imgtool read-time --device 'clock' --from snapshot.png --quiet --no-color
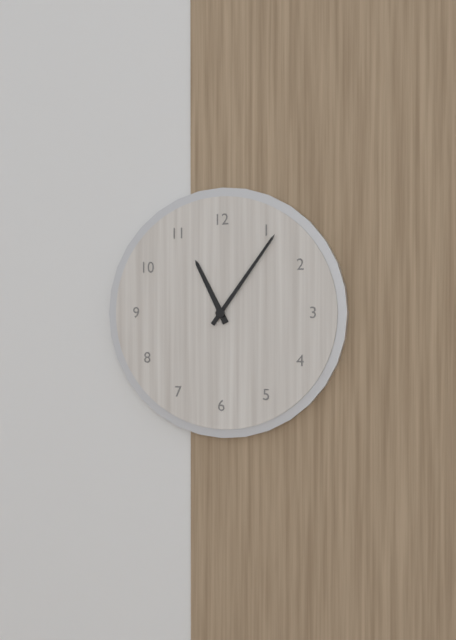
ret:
11:06
